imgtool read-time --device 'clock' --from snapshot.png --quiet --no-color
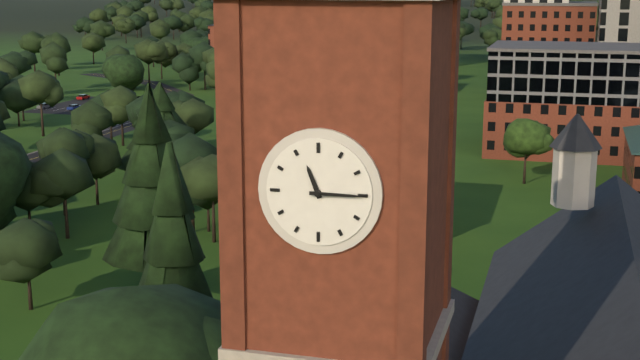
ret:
11:15
